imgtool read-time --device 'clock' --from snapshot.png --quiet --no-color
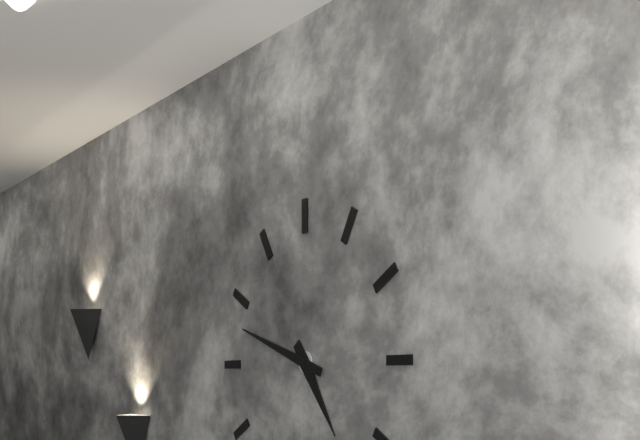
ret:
4:48
